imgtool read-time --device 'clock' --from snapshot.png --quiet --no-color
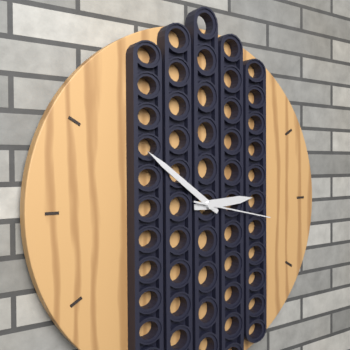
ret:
2:51:17
